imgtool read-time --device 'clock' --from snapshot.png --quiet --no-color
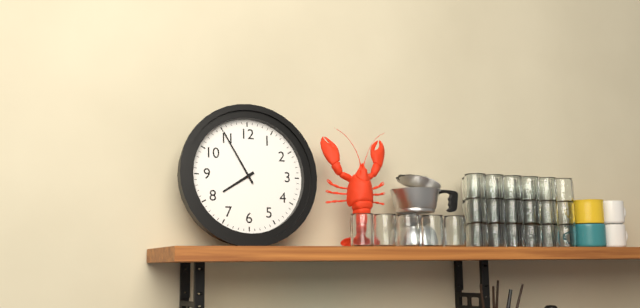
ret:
7:55
